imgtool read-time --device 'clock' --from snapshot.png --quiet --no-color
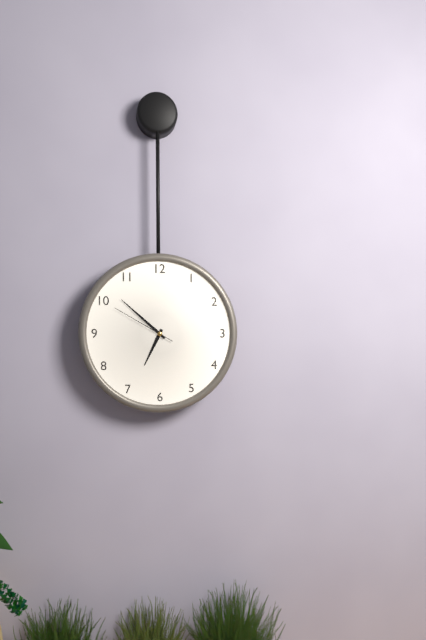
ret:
6:52:50
